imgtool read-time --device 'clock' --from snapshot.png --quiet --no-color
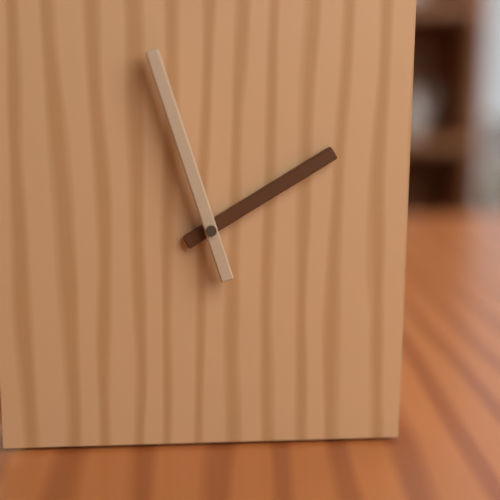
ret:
1:57
